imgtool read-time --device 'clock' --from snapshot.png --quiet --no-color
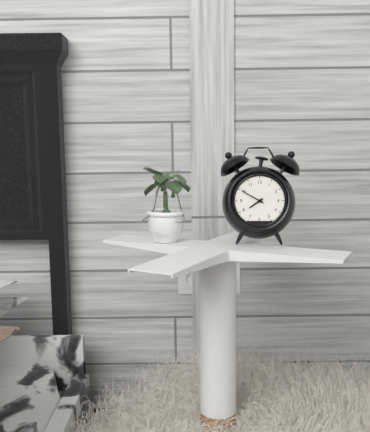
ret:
7:50
